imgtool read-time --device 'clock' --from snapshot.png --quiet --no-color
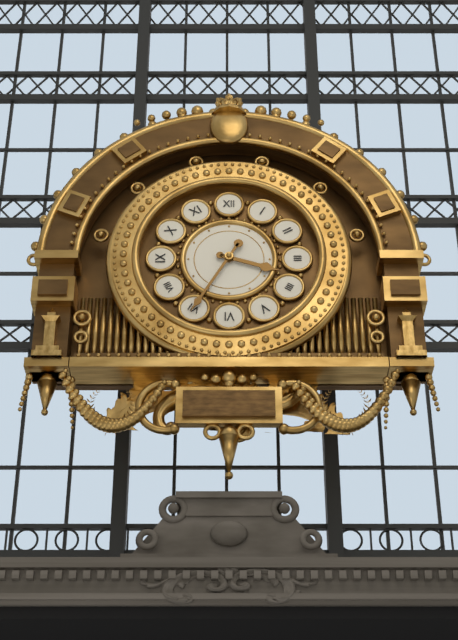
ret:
3:35
